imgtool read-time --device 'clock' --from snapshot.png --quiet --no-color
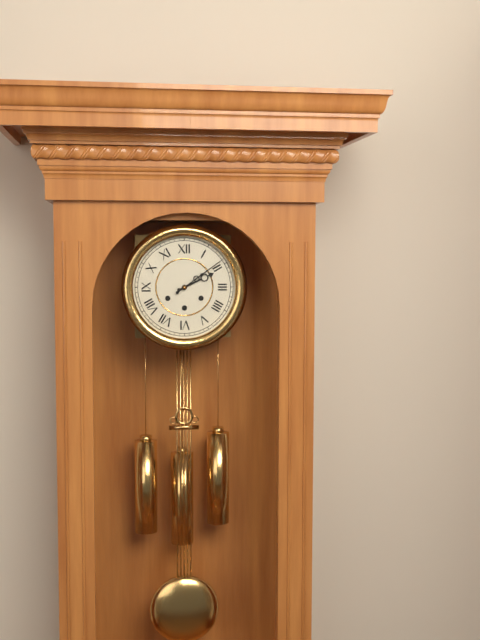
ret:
2:09
